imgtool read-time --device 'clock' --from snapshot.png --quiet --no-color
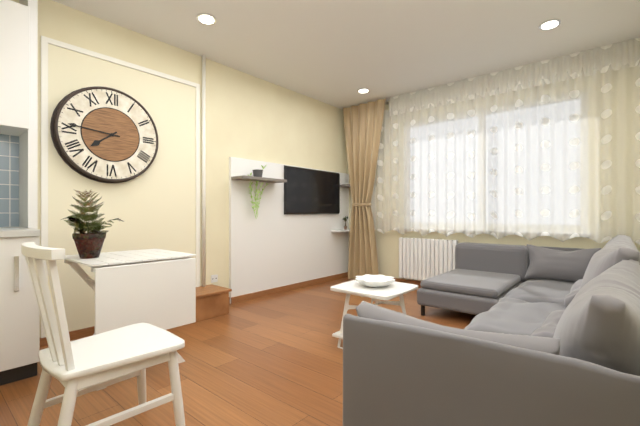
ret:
7:46
